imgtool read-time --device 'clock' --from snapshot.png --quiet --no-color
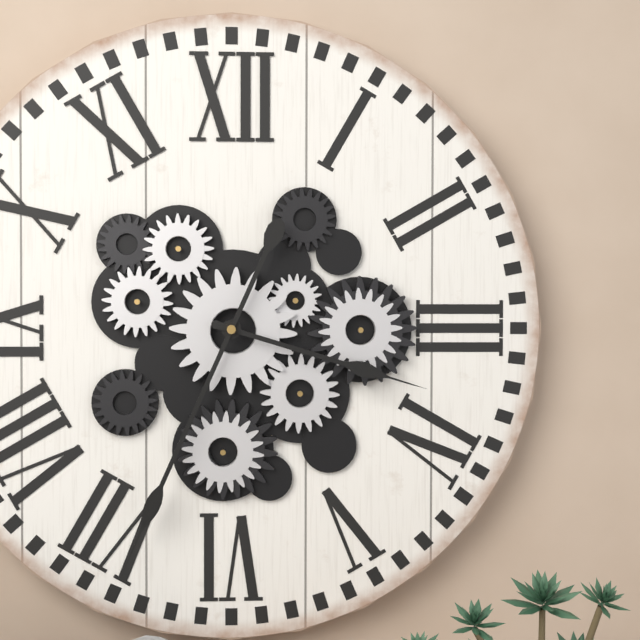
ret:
3:34
